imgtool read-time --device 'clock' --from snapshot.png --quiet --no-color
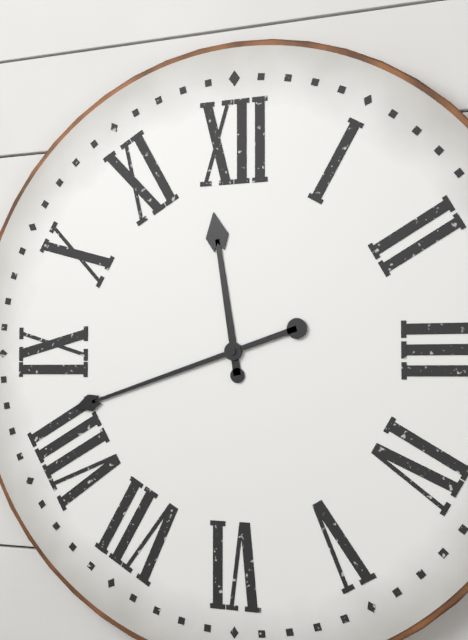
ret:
11:42
